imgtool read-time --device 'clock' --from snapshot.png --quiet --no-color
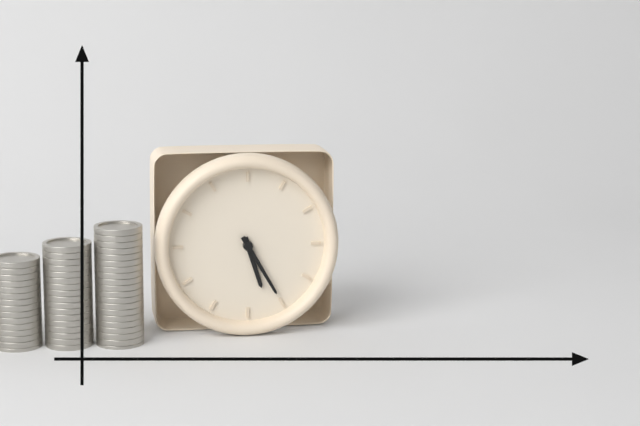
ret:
5:25
